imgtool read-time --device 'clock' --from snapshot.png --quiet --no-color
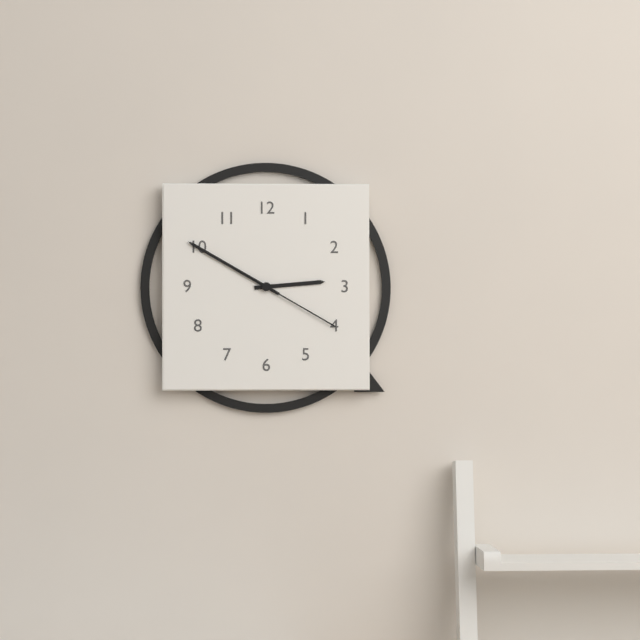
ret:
2:50:20
